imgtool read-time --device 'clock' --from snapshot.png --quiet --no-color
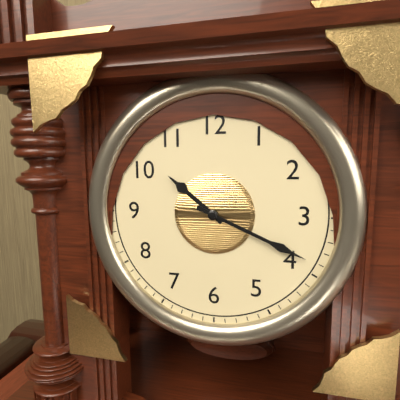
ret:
10:19
